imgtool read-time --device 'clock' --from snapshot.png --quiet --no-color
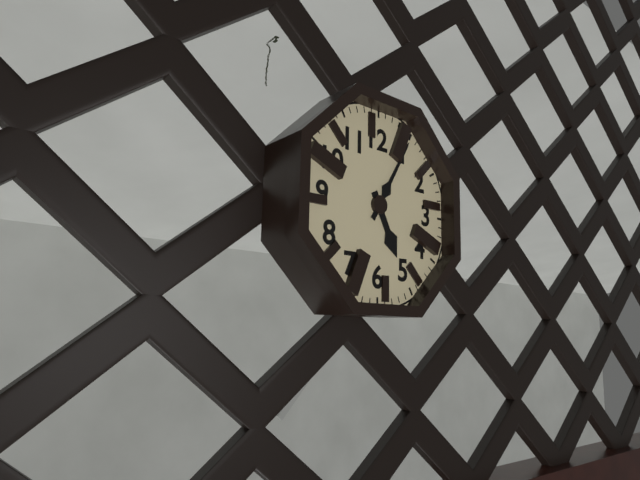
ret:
5:05
